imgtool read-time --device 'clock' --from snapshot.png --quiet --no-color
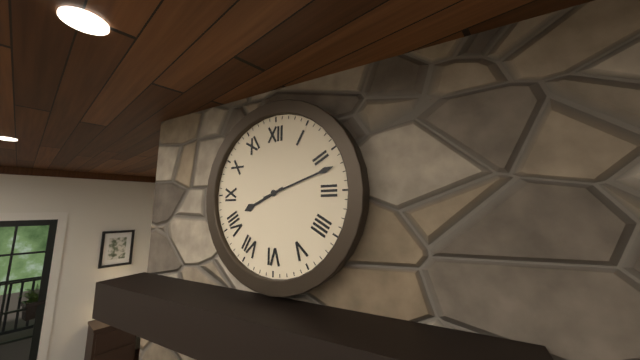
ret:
8:12
